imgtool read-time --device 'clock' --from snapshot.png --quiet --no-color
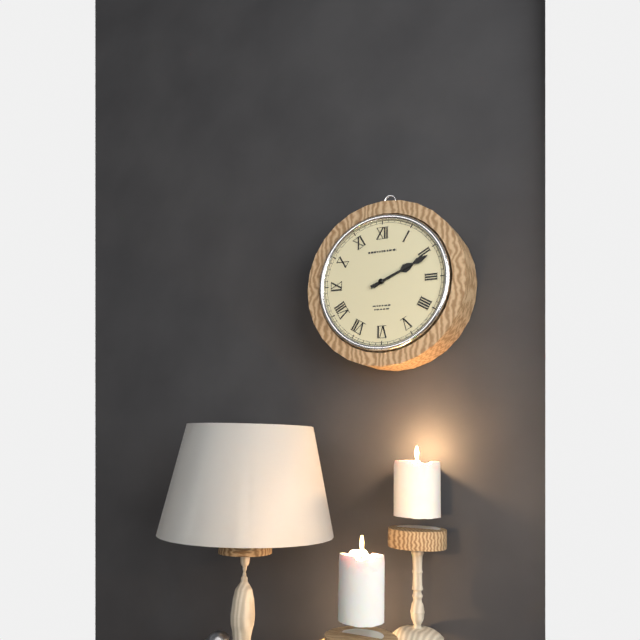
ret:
2:11
